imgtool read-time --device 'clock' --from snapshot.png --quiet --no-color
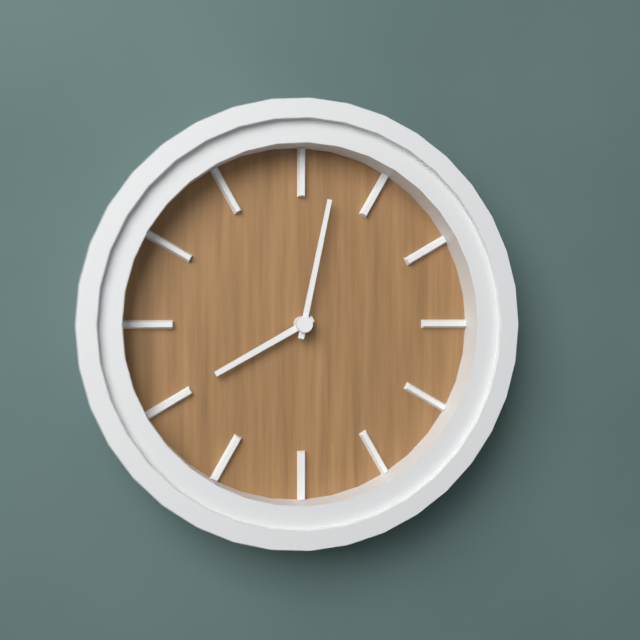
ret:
8:02
